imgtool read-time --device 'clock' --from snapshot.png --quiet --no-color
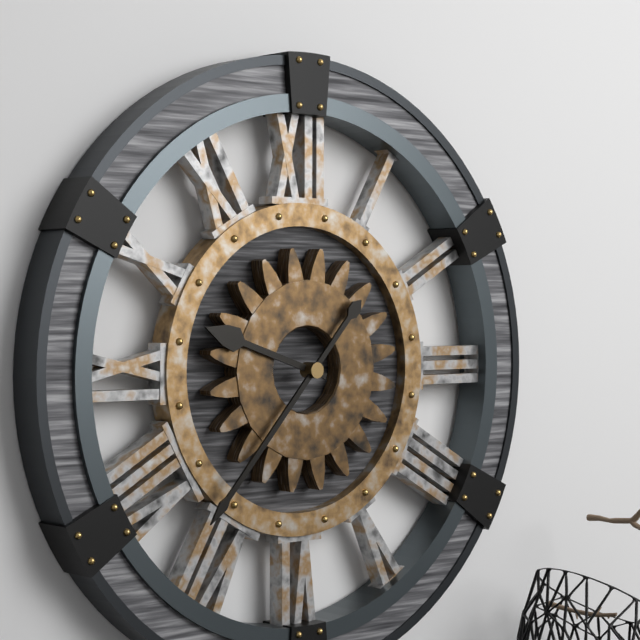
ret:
9:37
